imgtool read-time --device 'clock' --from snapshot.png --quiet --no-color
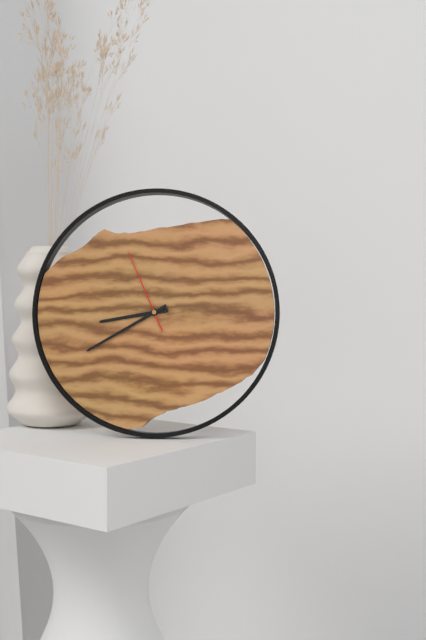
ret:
8:40:56
